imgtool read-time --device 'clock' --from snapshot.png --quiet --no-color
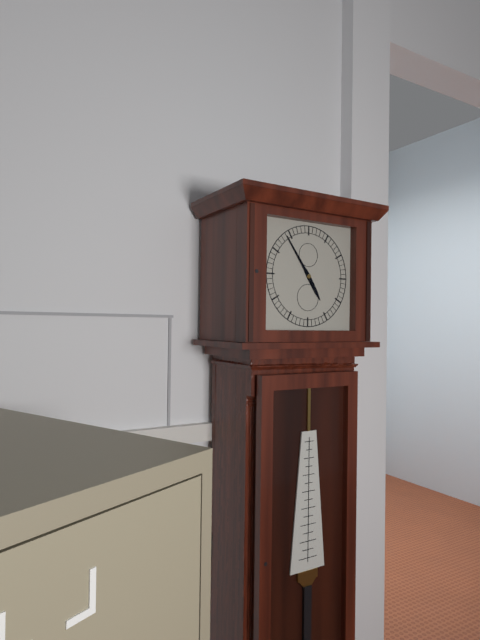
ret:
4:54
